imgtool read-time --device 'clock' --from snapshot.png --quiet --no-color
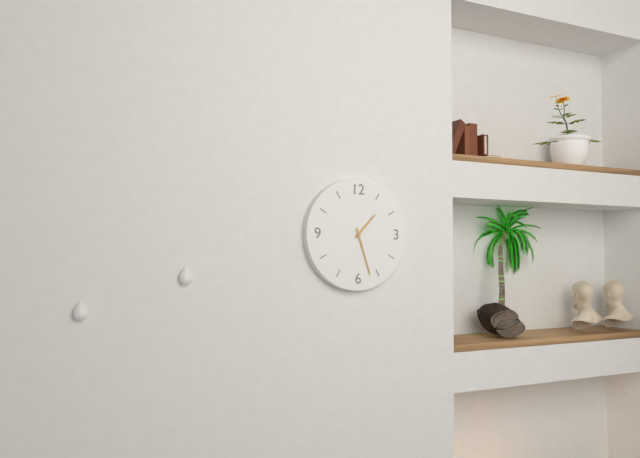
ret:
1:27
